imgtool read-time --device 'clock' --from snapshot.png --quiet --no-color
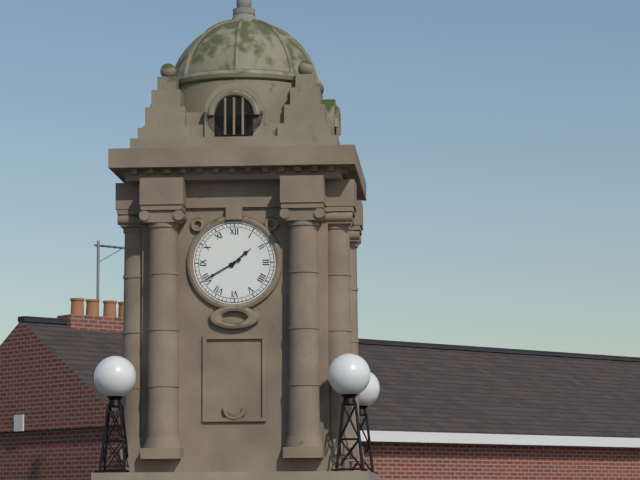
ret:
1:40
